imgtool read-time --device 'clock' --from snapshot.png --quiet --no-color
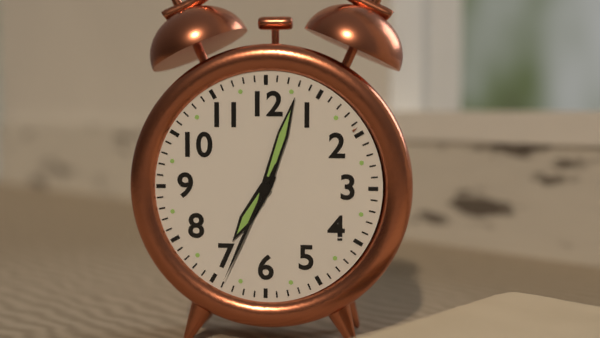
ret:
7:03:34
